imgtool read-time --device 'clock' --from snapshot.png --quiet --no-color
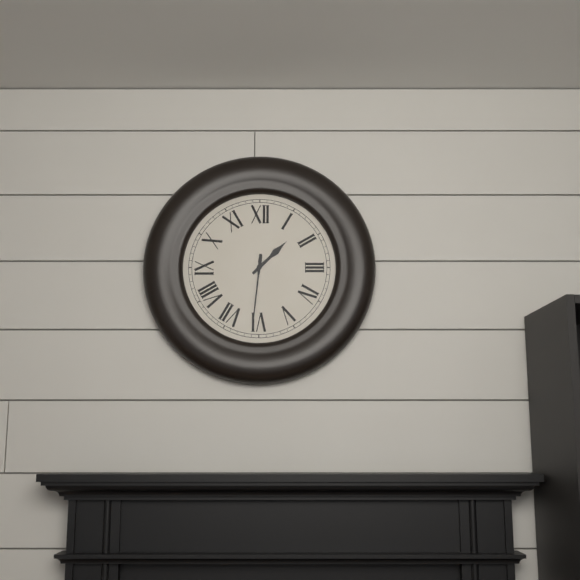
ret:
1:31
